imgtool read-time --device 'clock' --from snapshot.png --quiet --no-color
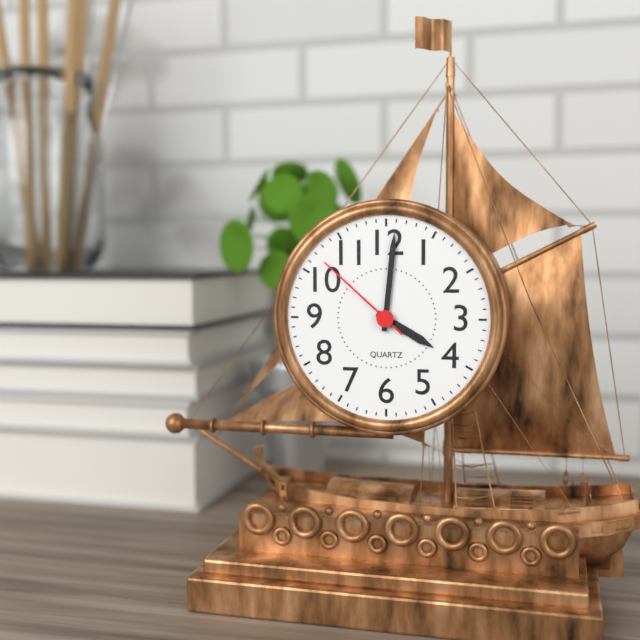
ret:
4:01:52
